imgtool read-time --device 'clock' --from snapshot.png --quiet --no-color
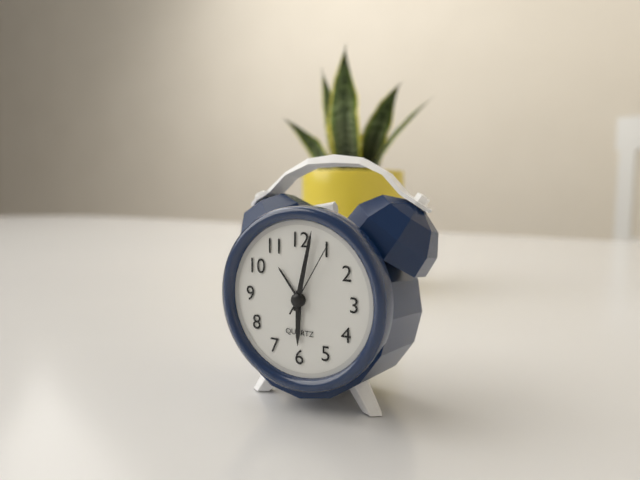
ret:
6:02:05
